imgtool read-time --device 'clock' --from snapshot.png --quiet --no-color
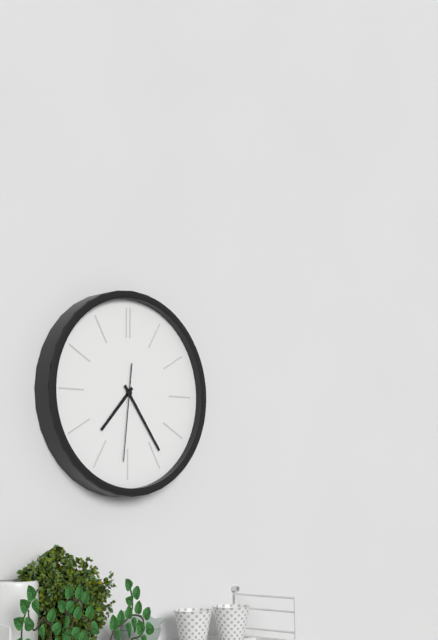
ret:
7:24:31
